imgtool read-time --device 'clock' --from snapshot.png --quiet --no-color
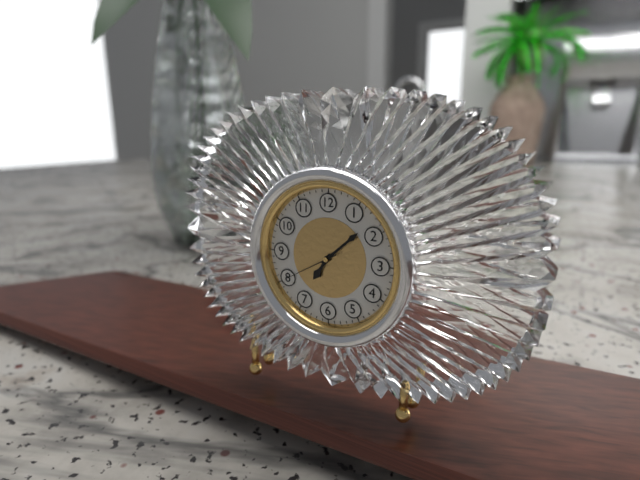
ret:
7:08:40
